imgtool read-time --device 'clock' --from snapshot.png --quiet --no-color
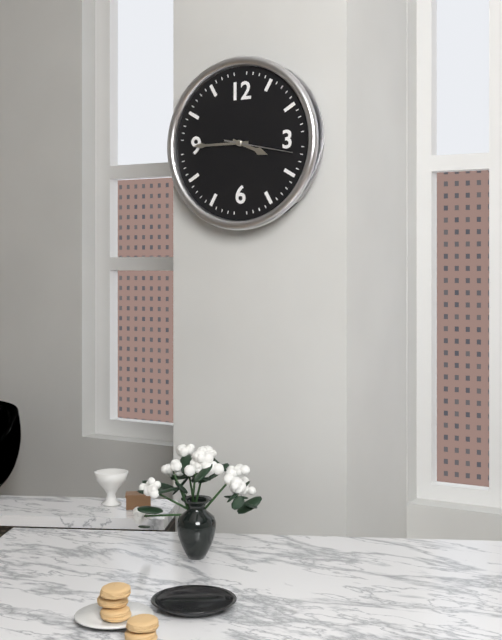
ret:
3:45:17
